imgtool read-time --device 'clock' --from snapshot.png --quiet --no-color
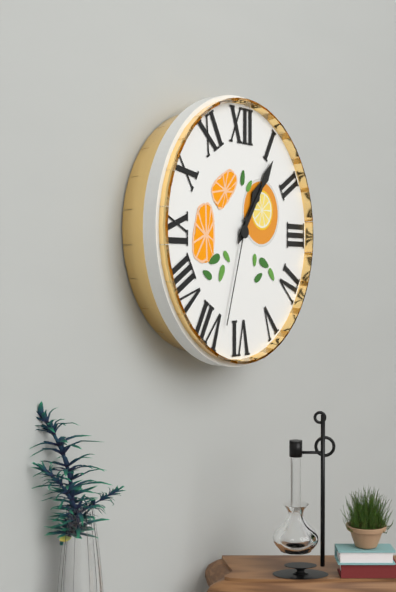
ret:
1:06:33
